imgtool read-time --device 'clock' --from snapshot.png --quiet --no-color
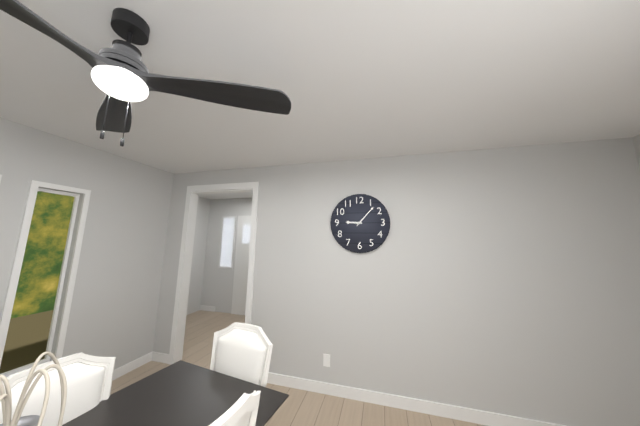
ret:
9:07
